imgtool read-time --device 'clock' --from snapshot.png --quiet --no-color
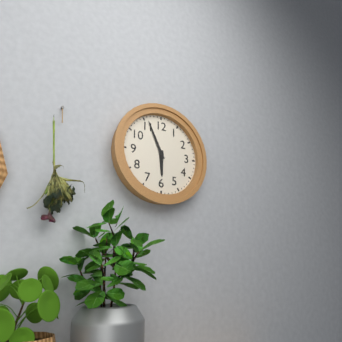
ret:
5:56
